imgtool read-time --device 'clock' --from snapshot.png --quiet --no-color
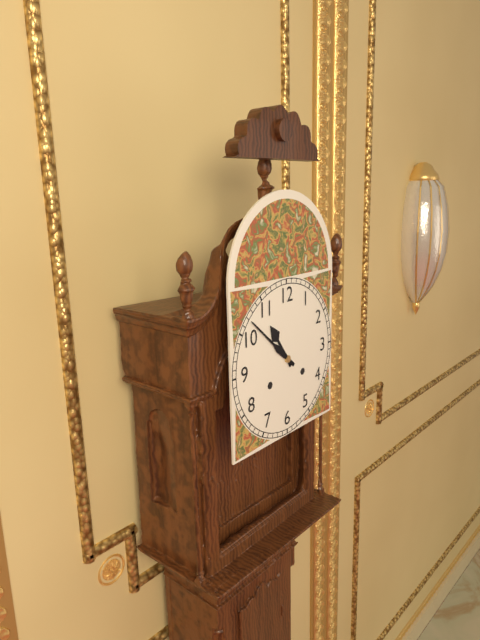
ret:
10:52
